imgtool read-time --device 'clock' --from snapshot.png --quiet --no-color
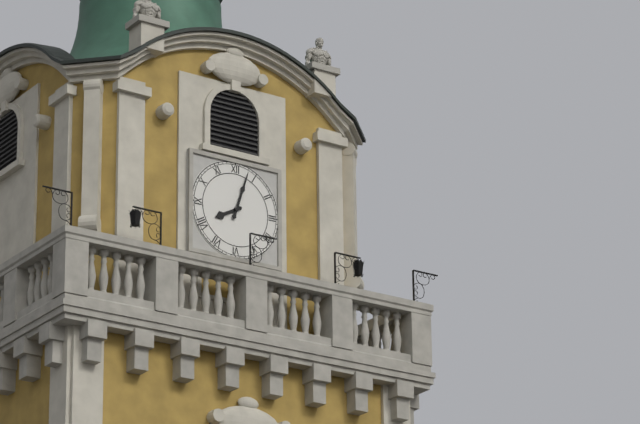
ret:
8:03
